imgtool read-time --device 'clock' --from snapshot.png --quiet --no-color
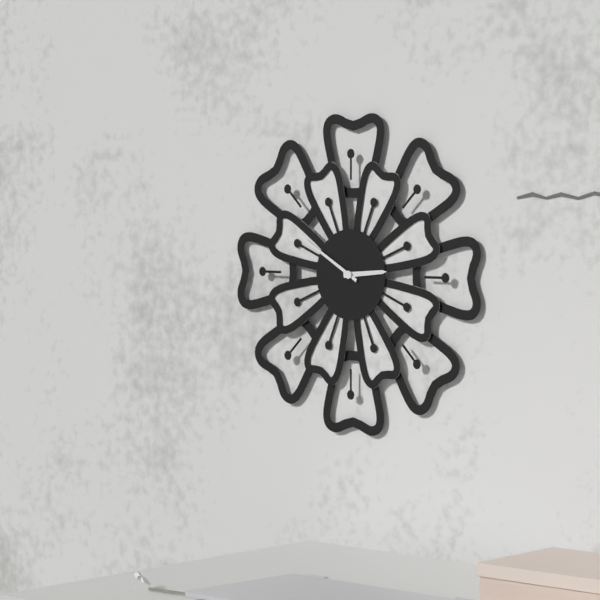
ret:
2:50
